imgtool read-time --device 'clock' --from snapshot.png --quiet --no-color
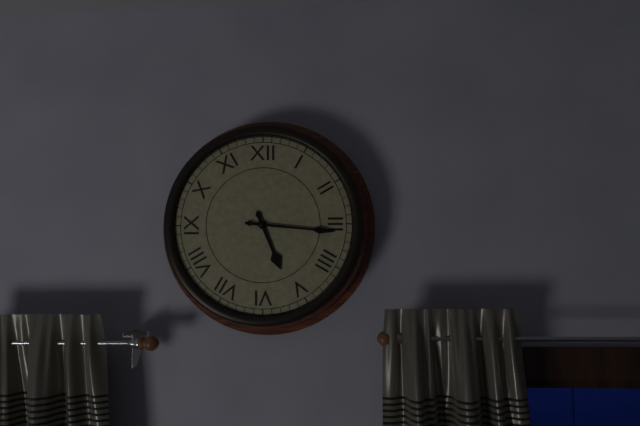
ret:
5:16
